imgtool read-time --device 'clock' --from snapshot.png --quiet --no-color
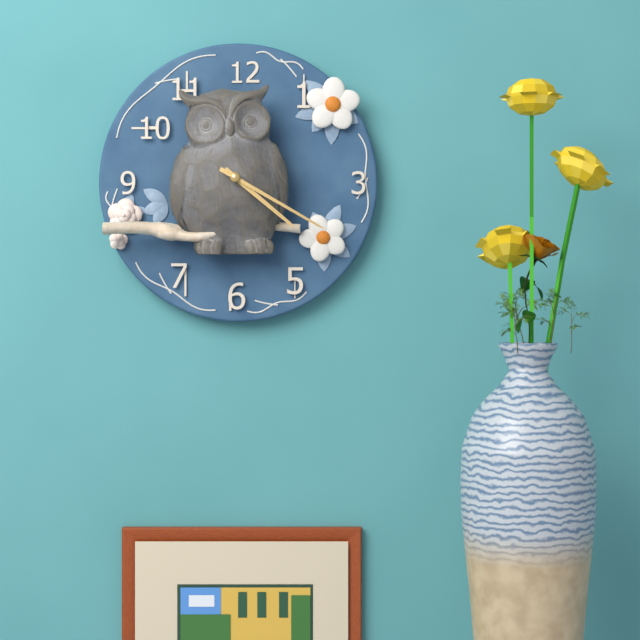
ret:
4:20
